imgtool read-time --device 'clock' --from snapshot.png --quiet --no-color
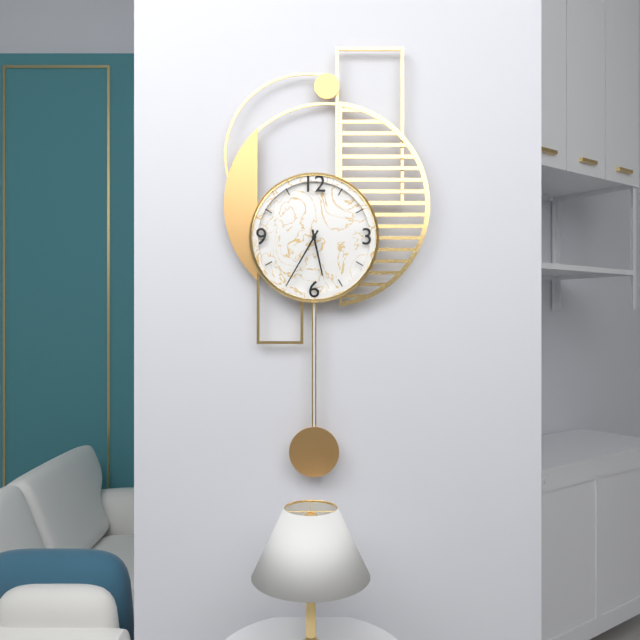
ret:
5:35
